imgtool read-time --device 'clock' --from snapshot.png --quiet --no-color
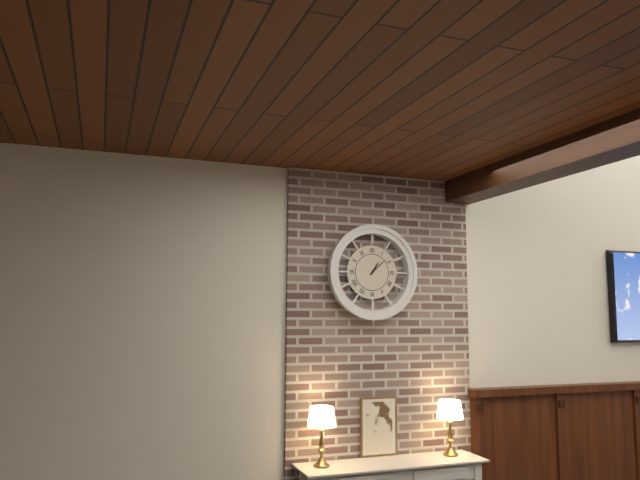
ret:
1:08
